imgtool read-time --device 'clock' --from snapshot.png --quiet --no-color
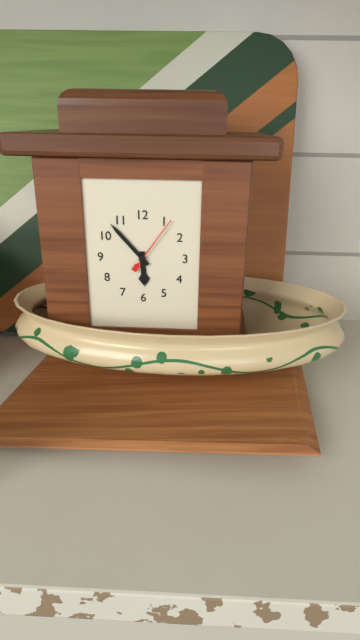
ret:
5:53
